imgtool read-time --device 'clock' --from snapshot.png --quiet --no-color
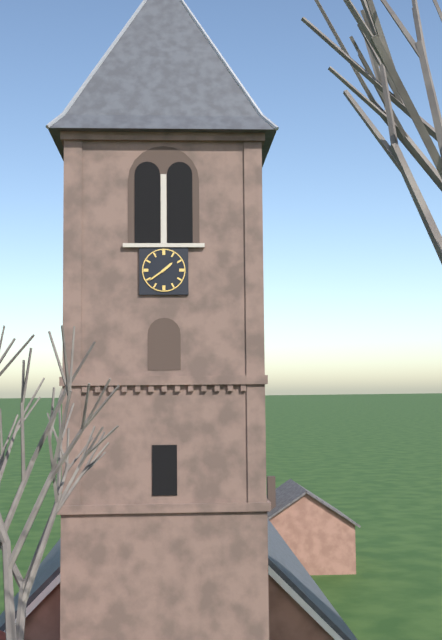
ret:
1:39
